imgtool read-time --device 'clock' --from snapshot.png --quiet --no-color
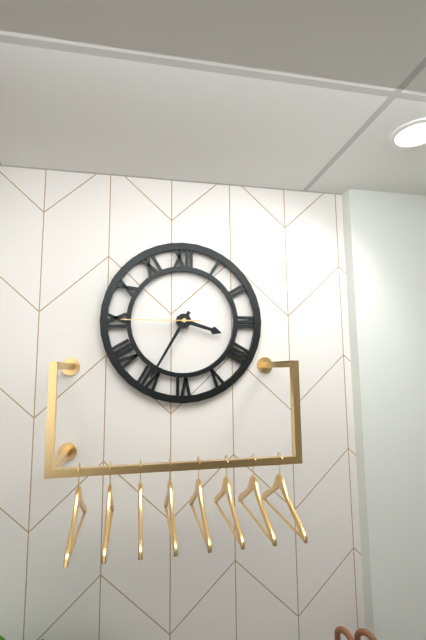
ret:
3:35:45
